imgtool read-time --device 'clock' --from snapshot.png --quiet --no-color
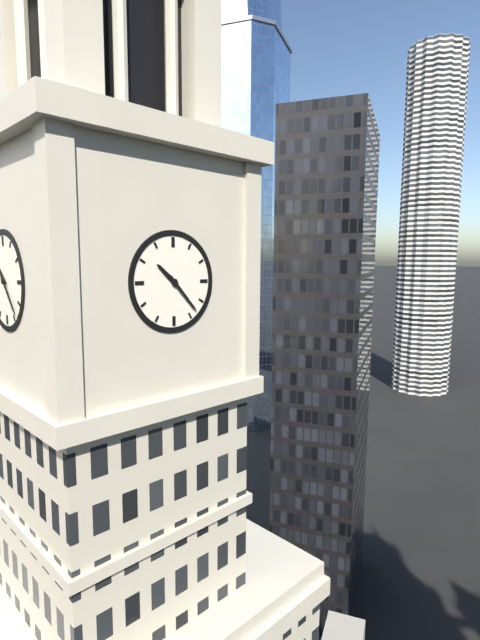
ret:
10:23
